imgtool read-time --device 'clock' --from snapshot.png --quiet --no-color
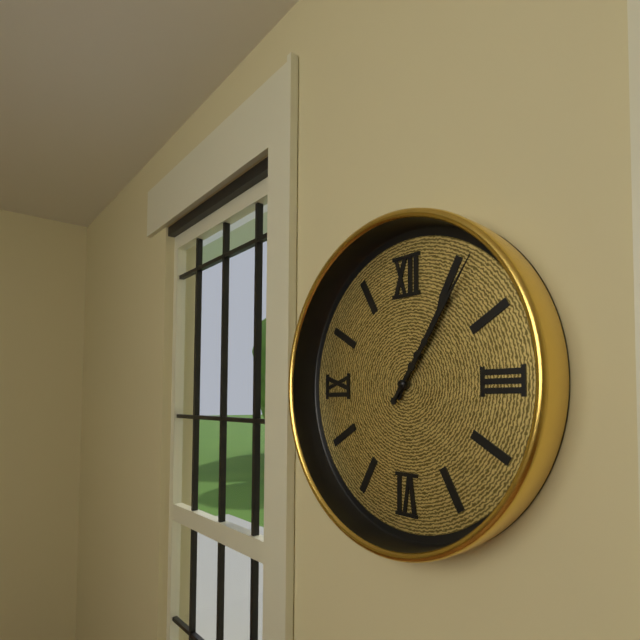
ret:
1:06
